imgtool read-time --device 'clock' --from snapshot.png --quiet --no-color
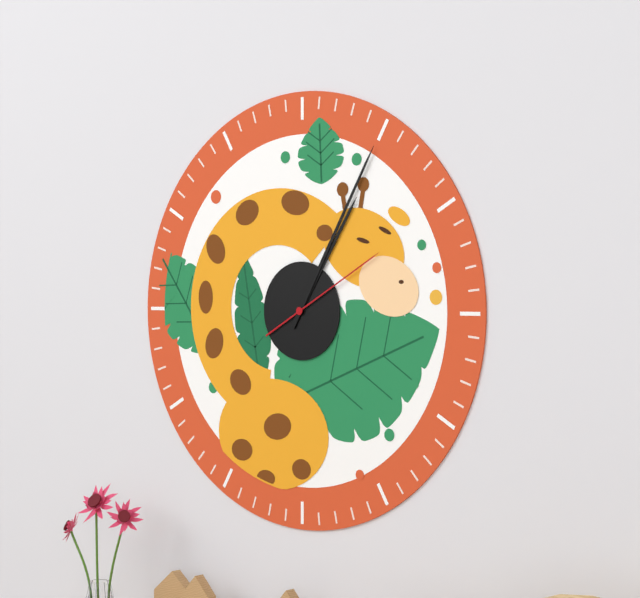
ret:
1:05:10
